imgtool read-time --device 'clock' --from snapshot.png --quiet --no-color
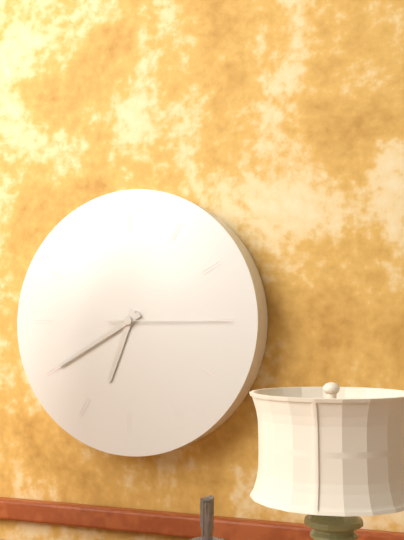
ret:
6:40:15
